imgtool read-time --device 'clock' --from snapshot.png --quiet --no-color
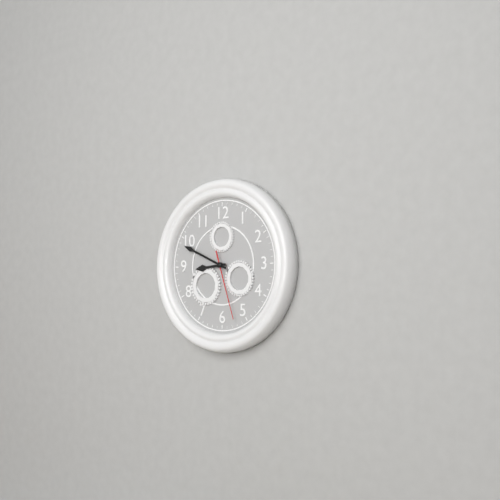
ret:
8:49:27
